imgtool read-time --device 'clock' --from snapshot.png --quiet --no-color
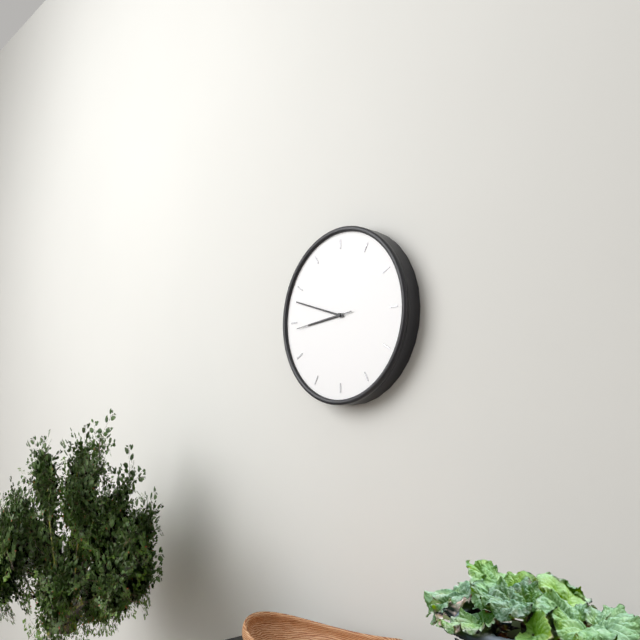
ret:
8:48:44
